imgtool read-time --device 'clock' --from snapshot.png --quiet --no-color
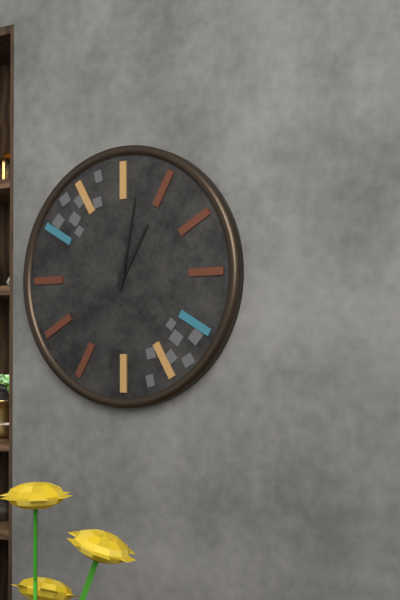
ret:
1:02
